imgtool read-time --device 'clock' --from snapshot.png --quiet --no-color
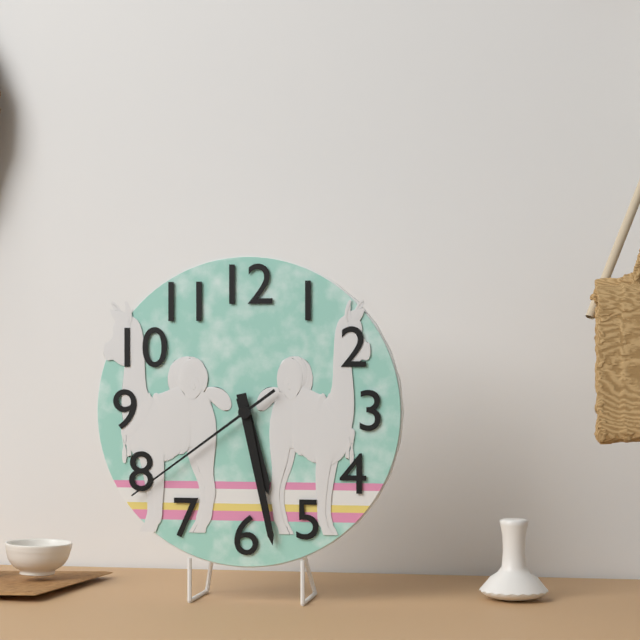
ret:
5:28:39
